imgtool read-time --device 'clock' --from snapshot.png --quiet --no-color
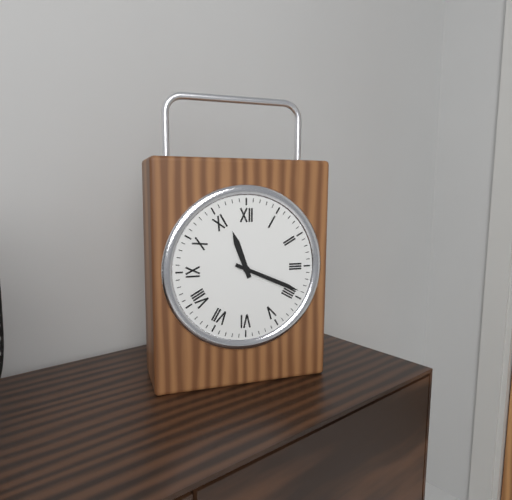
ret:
11:19
